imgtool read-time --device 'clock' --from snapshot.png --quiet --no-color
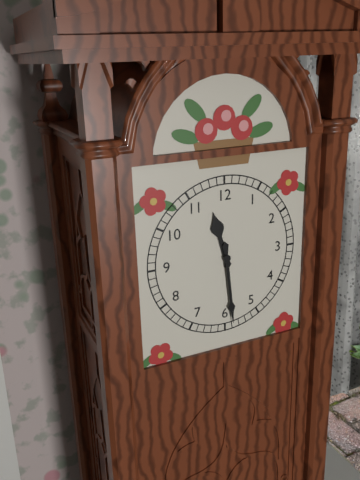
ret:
11:29
